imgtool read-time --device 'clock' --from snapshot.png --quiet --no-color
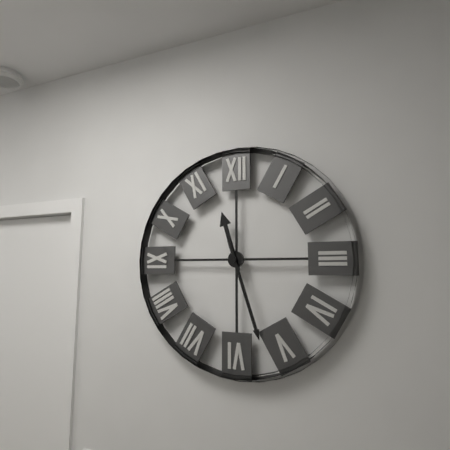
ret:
11:27
